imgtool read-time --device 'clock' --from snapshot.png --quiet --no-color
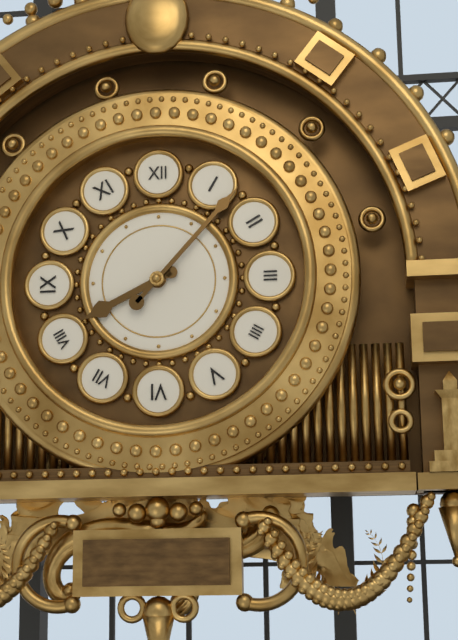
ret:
8:07
